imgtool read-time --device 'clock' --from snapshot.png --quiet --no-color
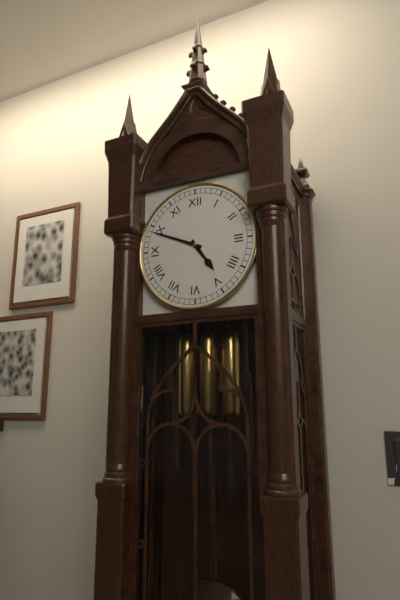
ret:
4:49
